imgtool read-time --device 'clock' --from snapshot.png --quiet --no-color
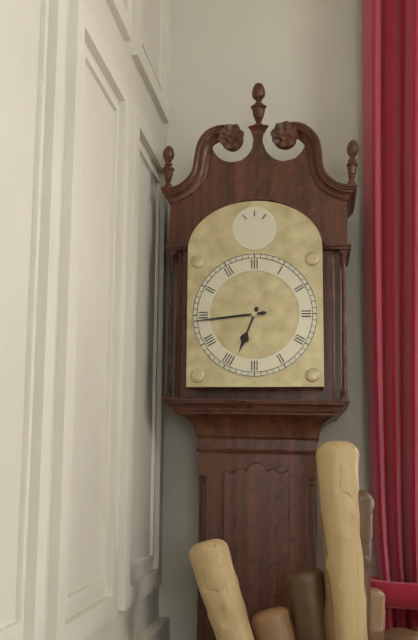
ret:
6:44
